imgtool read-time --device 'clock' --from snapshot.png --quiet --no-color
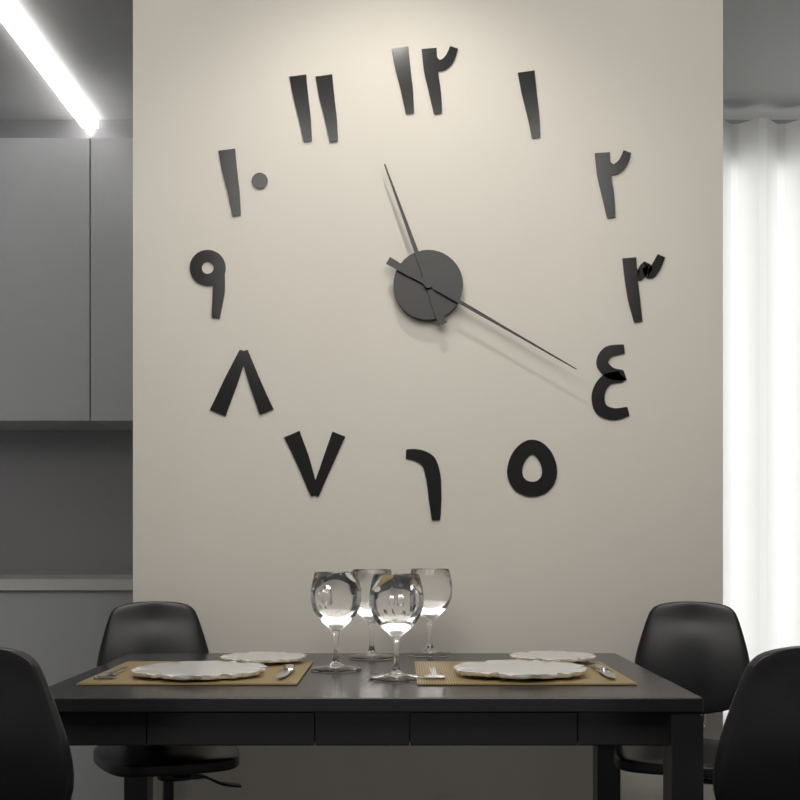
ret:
11:20
